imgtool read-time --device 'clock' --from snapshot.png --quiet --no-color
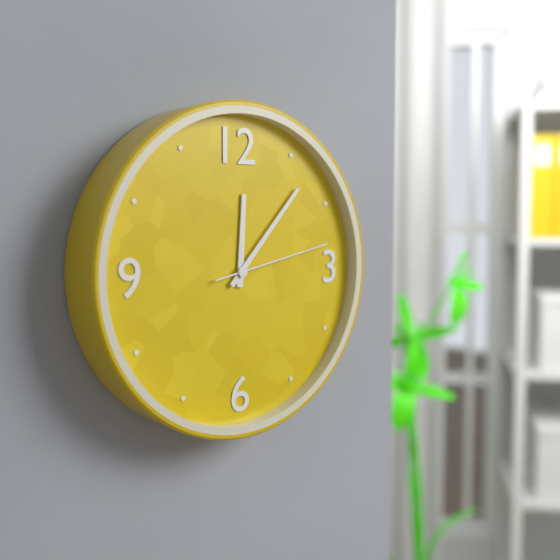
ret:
12:07:13
